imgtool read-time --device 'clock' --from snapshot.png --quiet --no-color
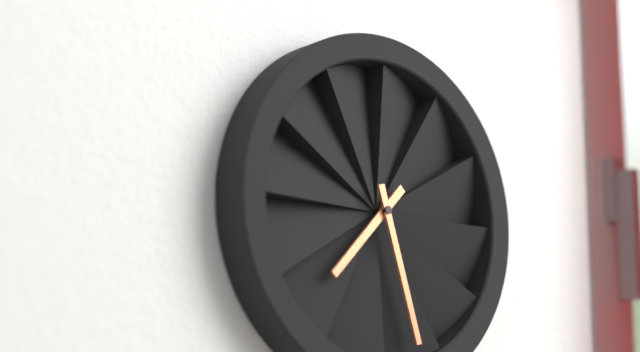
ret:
7:27
